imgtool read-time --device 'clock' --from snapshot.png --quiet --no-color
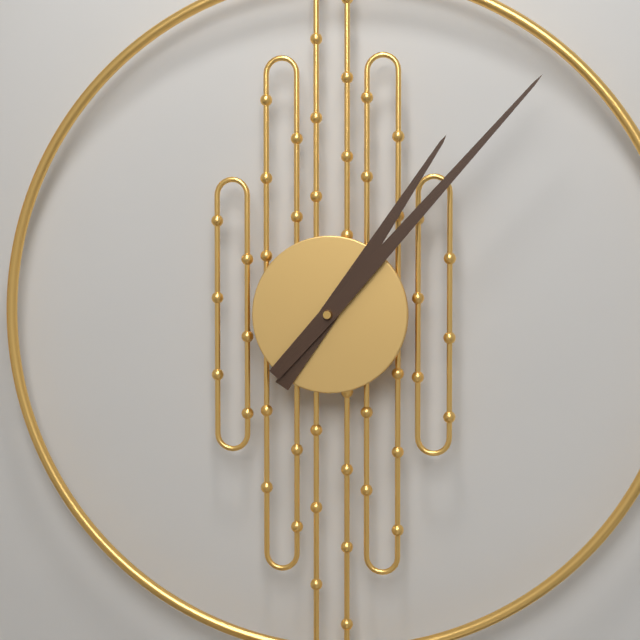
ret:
1:07
